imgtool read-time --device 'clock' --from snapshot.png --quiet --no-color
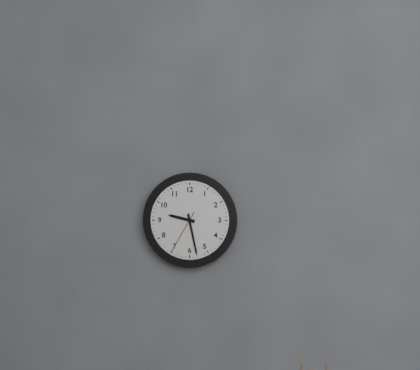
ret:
9:28
